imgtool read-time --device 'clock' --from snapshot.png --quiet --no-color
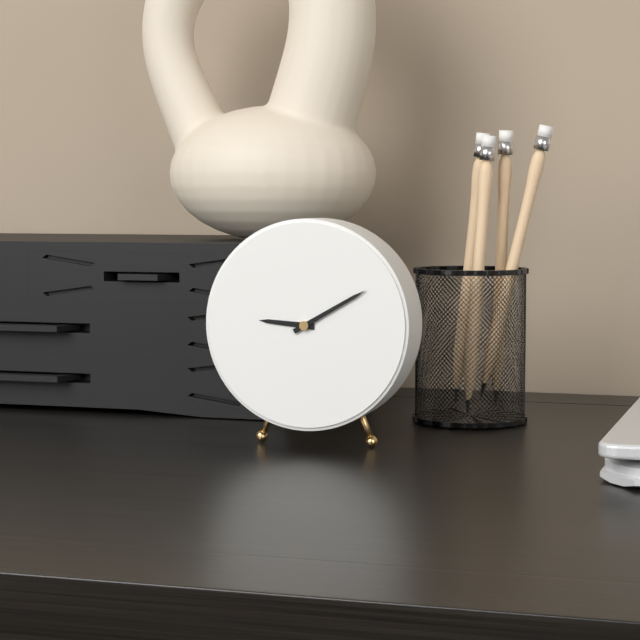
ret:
9:10
